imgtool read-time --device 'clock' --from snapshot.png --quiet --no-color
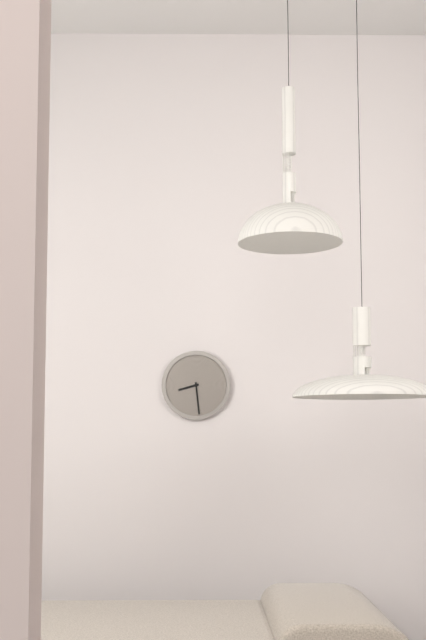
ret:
8:29
